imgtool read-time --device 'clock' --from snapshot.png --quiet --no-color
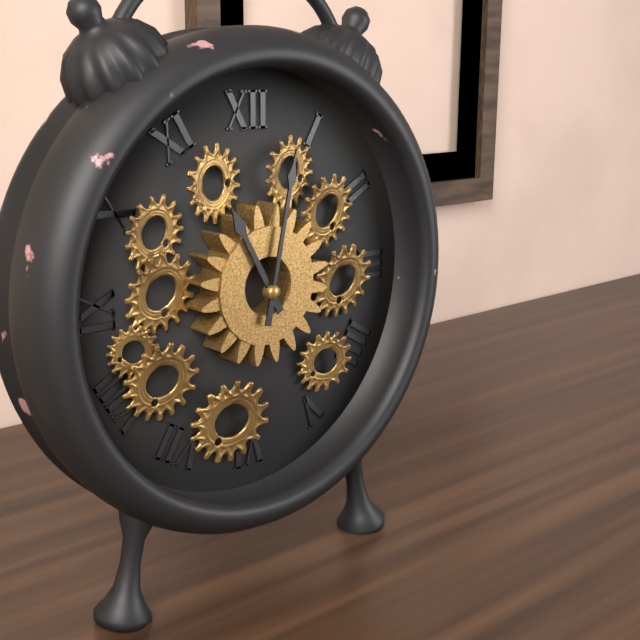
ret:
11:02
